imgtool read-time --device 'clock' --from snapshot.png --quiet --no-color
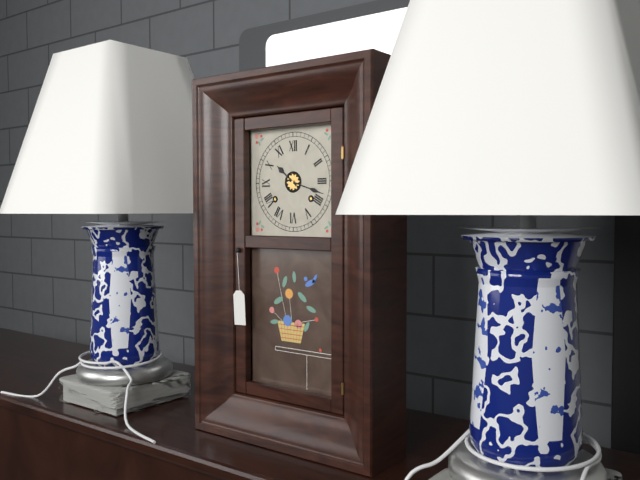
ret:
10:18
